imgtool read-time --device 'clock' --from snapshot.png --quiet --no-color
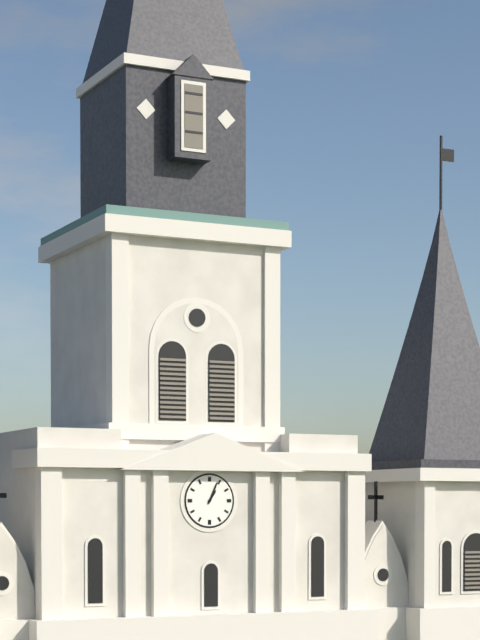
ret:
1:04
